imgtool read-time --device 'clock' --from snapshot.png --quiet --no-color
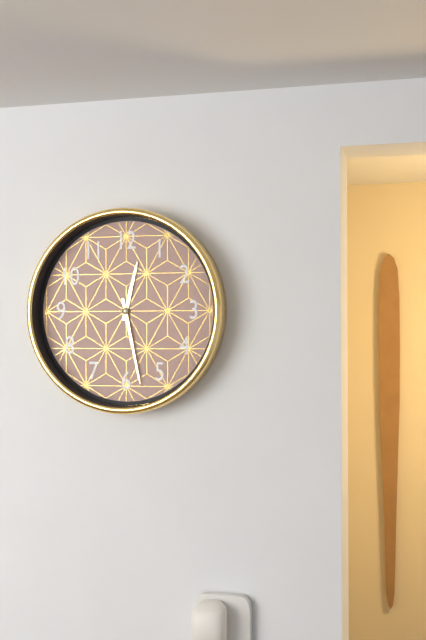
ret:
12:28
